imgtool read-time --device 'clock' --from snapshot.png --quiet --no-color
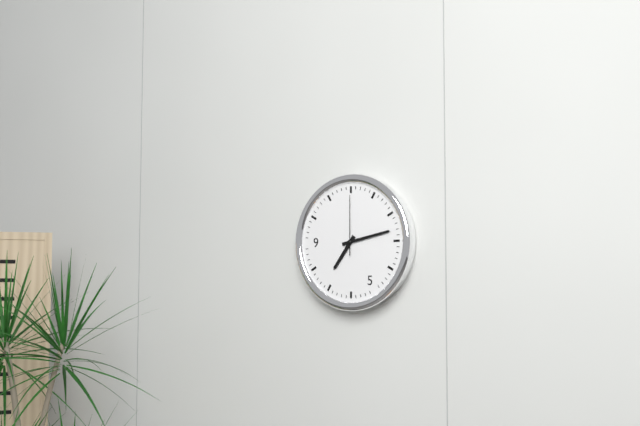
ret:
7:13:00
